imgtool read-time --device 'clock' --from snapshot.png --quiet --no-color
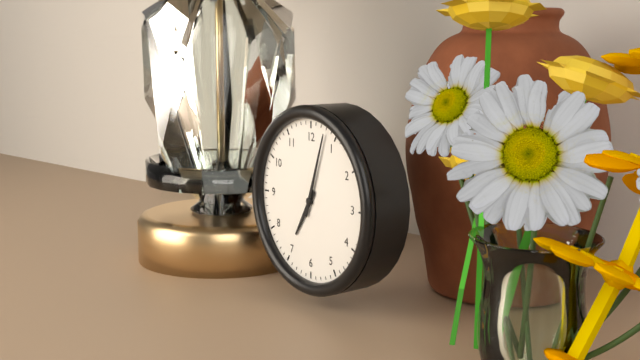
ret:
7:03
